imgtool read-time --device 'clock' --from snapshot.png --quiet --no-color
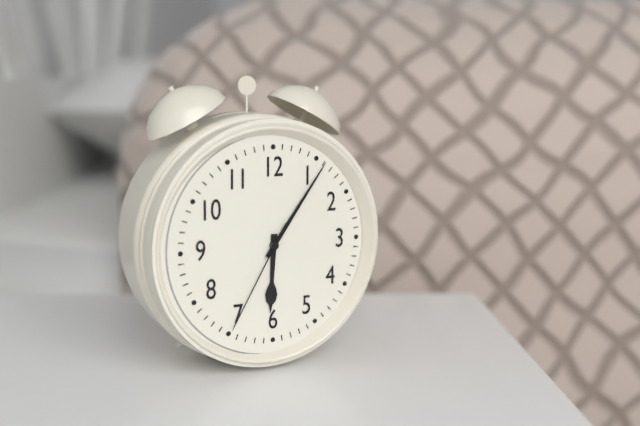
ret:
6:06:35
